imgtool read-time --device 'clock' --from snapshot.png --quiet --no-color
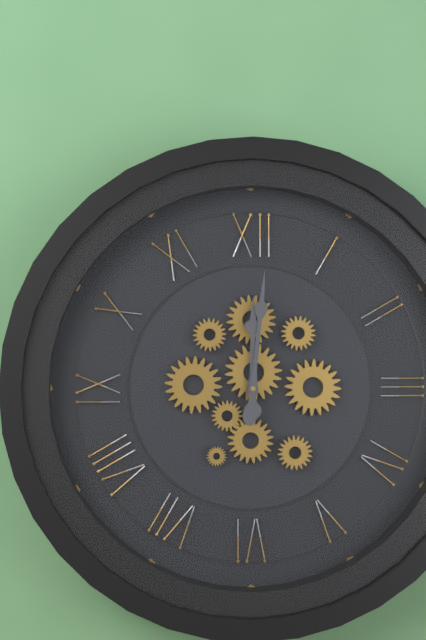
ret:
12:01
